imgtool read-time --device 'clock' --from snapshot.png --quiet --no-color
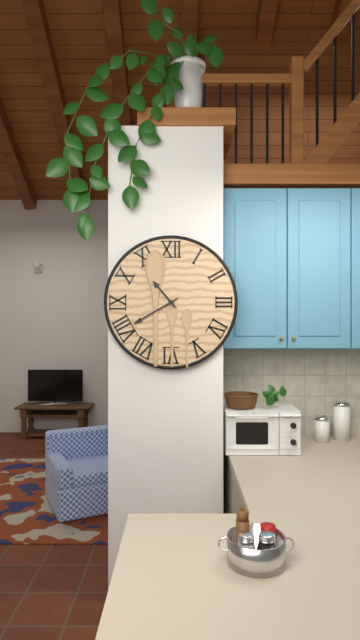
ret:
10:40
